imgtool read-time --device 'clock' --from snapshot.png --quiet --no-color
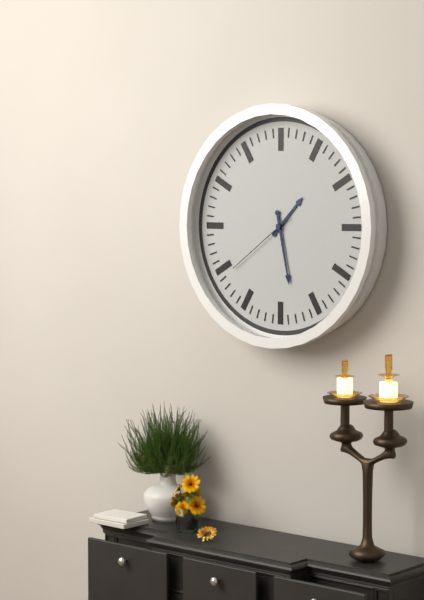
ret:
1:28:39
